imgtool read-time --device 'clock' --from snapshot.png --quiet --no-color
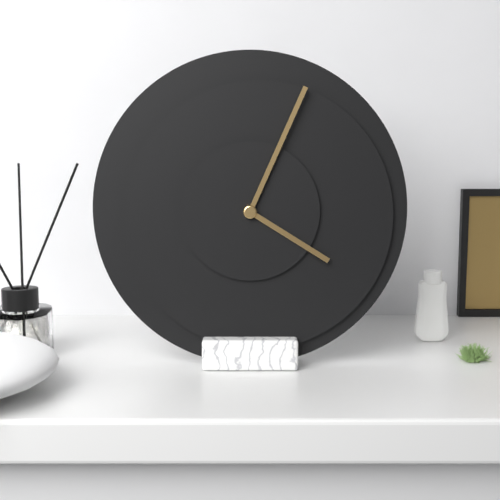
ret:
4:04
